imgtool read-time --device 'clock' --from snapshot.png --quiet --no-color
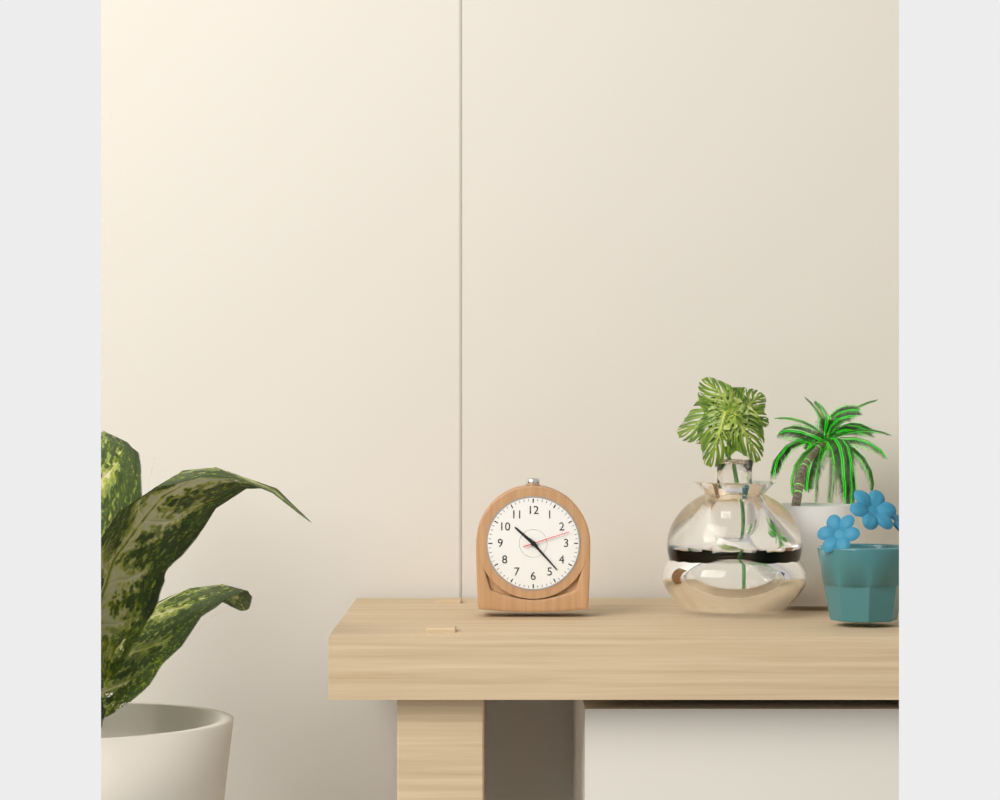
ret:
10:23
